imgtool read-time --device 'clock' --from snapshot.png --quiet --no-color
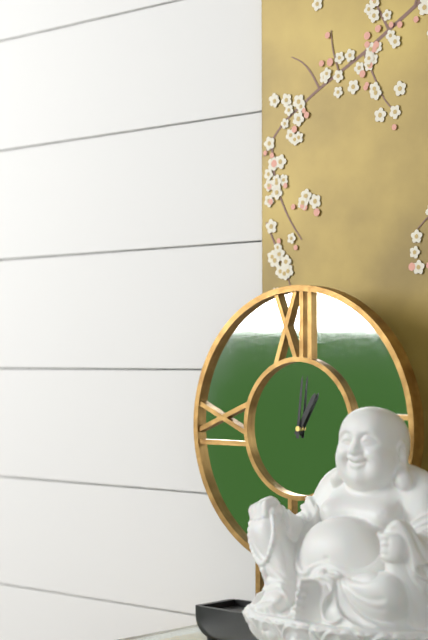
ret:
1:01
